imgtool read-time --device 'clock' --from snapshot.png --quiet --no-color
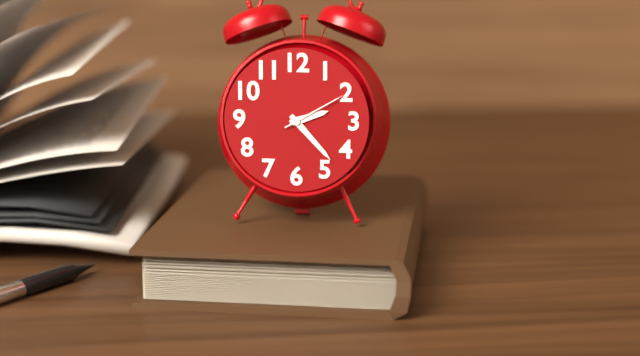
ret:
2:23:10
